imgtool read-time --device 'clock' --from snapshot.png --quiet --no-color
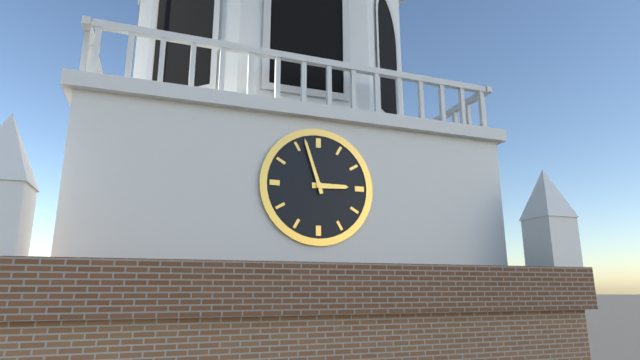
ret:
2:57
